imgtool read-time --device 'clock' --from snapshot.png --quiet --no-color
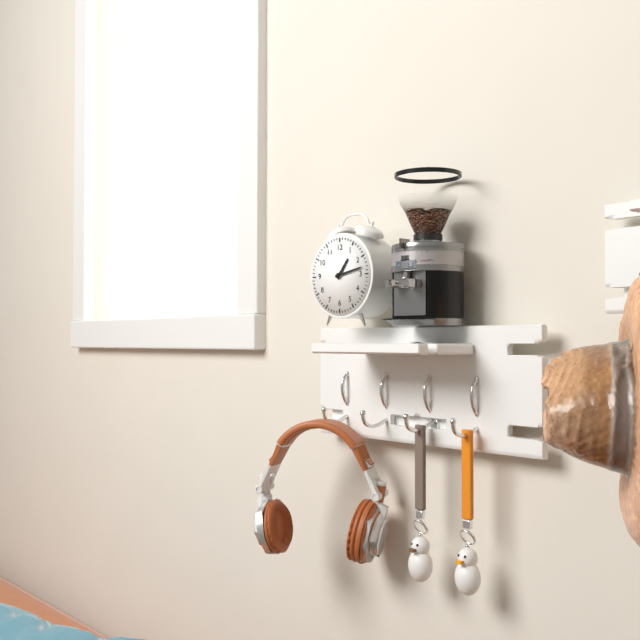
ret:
1:13
